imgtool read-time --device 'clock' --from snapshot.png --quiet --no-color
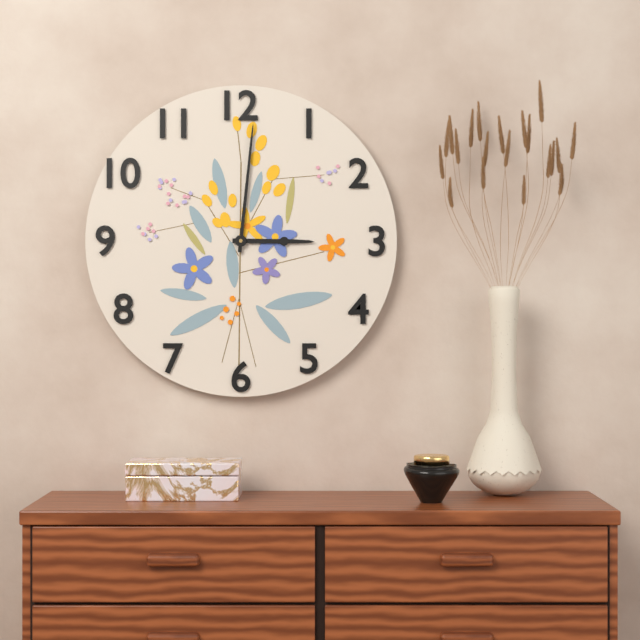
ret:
3:01
